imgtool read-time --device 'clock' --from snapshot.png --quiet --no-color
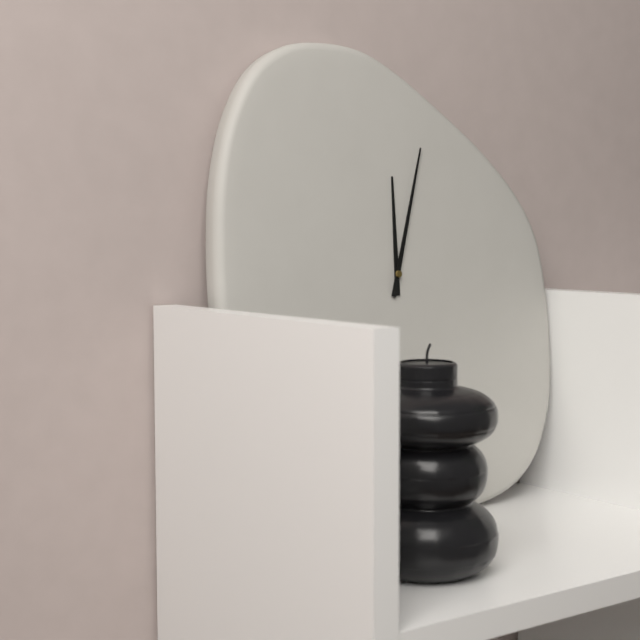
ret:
12:03
